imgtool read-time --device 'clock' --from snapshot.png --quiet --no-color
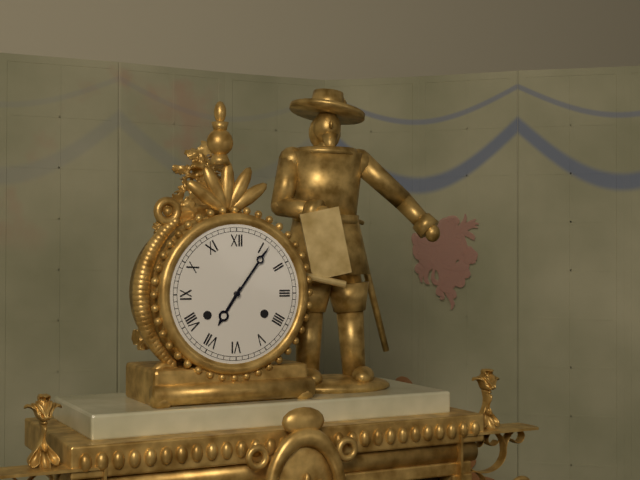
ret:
7:06
